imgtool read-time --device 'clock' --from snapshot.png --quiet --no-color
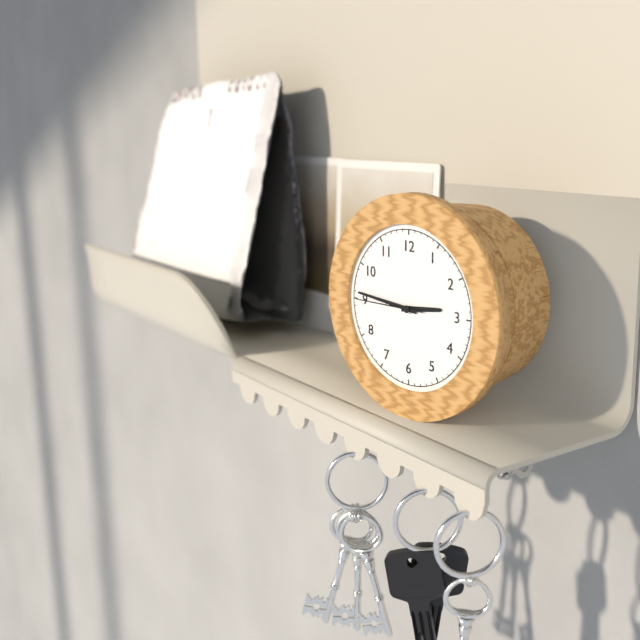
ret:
2:46:45
